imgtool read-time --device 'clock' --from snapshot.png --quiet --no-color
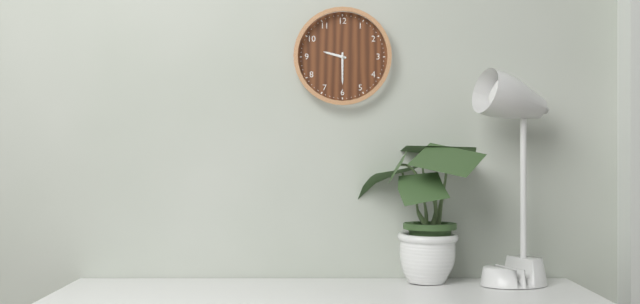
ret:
9:30
